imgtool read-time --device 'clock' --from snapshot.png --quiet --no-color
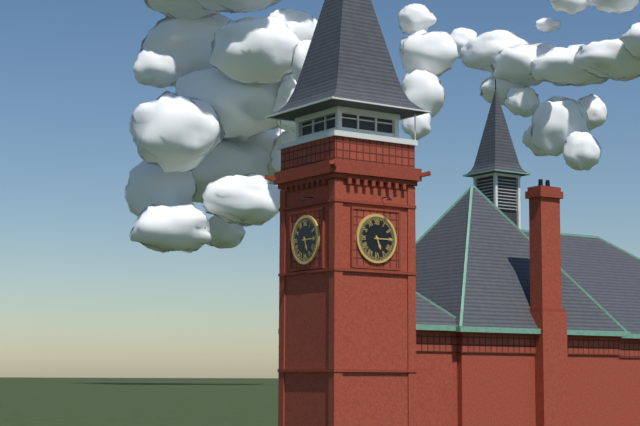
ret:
5:15
